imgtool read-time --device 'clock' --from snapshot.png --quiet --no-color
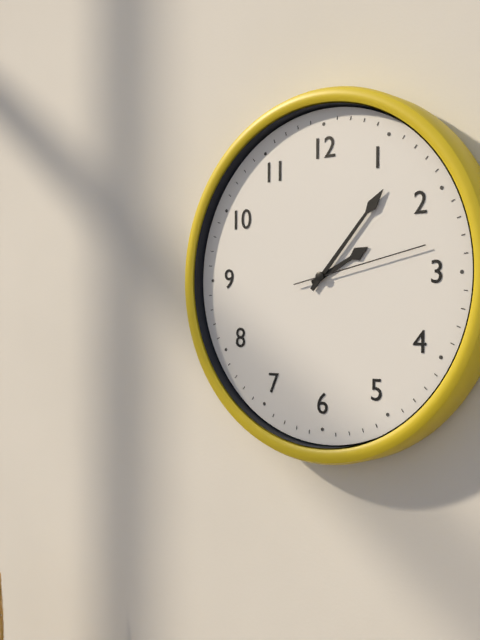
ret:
2:07:13
